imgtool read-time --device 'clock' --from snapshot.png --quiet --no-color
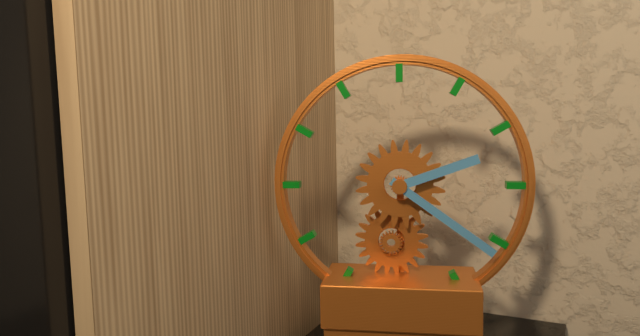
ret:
2:21
